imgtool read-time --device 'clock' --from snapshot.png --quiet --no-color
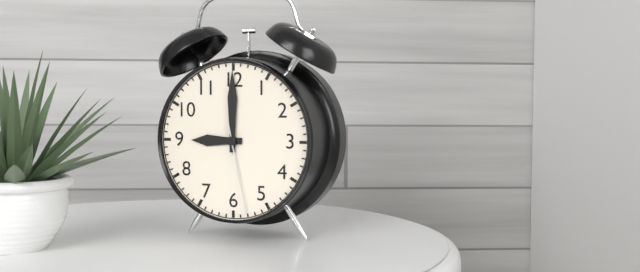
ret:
9:00:28
